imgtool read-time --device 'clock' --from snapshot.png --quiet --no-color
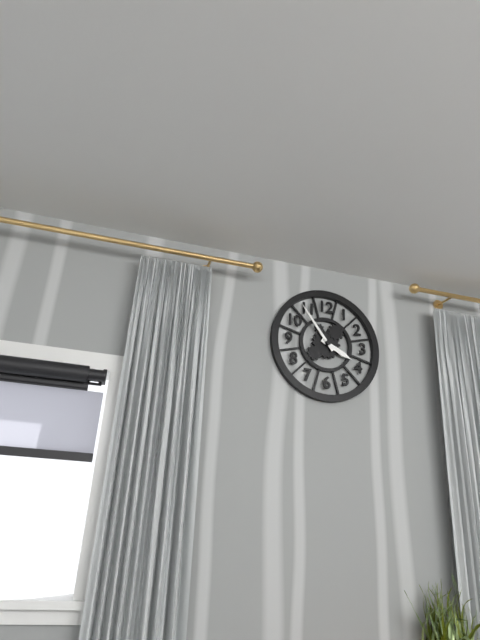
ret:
3:54
